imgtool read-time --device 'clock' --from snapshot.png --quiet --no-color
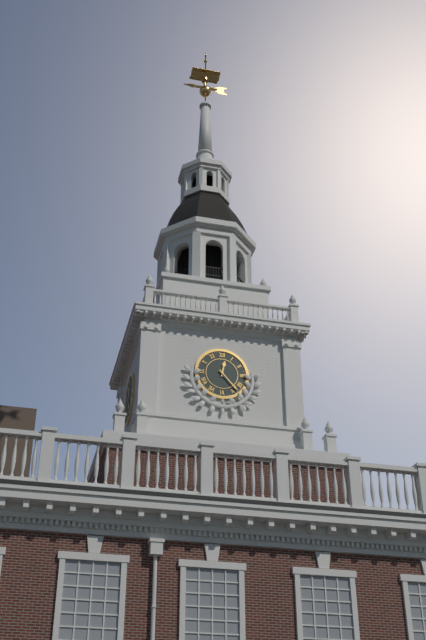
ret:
12:23
